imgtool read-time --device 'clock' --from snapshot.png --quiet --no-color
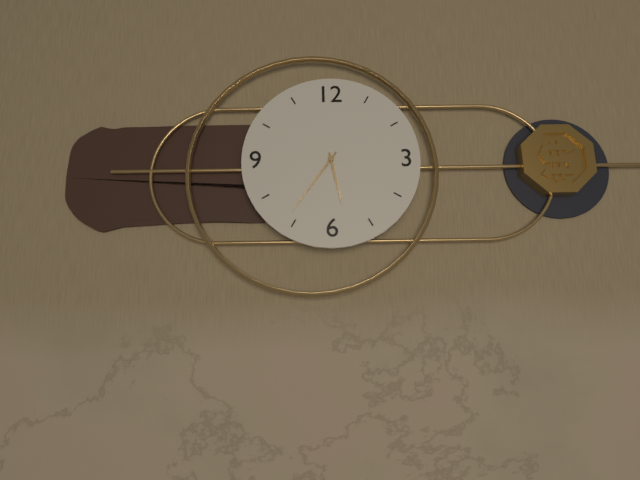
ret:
5:36
